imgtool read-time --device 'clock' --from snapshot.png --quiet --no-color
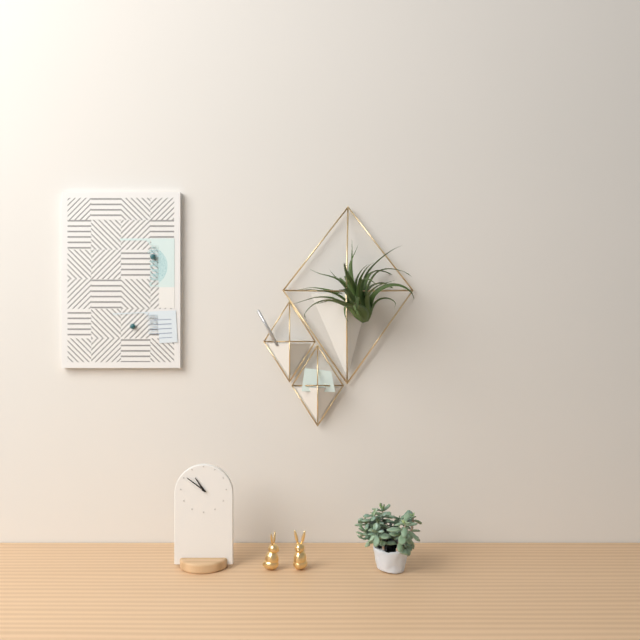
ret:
10:51
